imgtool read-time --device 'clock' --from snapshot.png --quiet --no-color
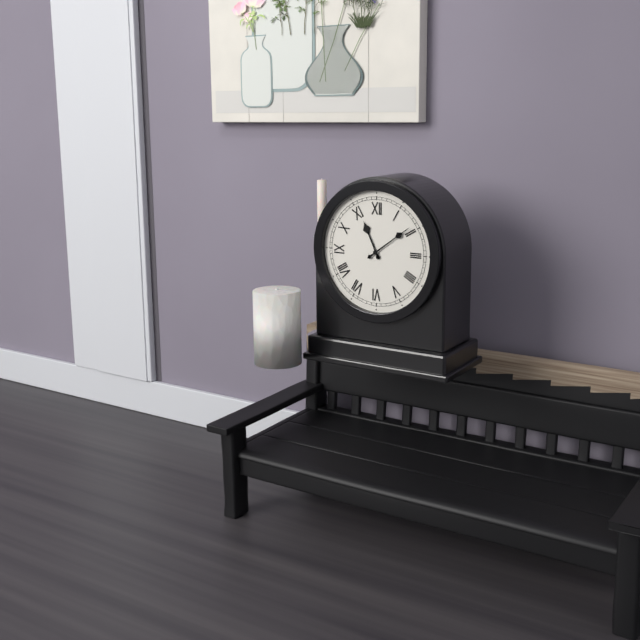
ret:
11:09
